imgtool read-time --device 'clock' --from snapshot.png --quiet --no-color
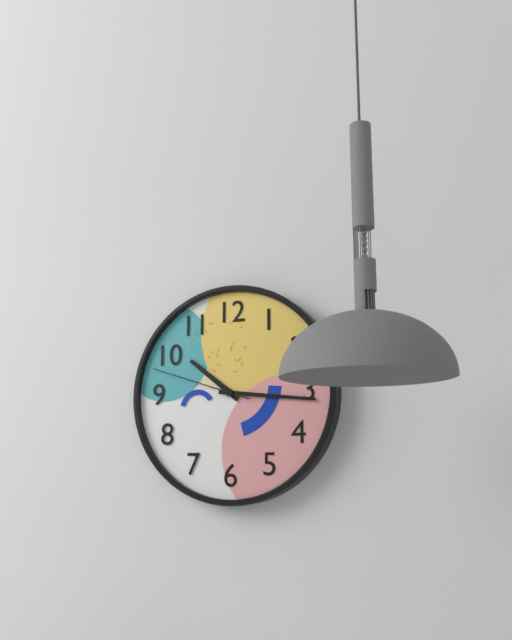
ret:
10:16:48
